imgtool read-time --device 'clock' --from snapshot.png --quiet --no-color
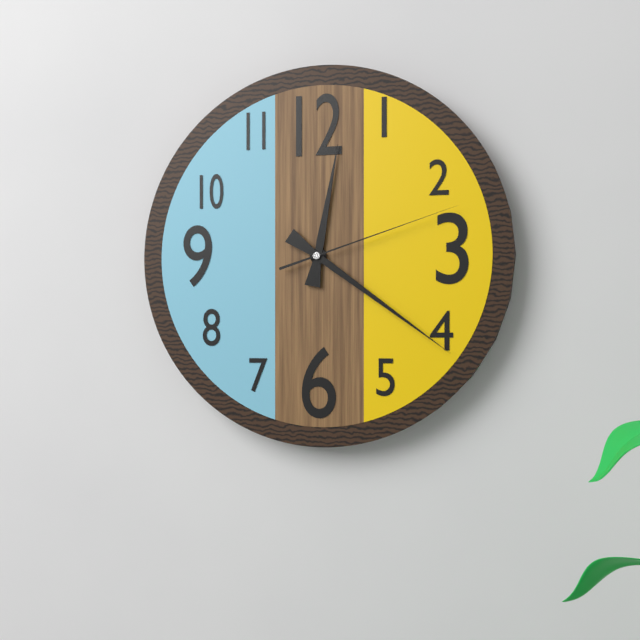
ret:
12:21:12
